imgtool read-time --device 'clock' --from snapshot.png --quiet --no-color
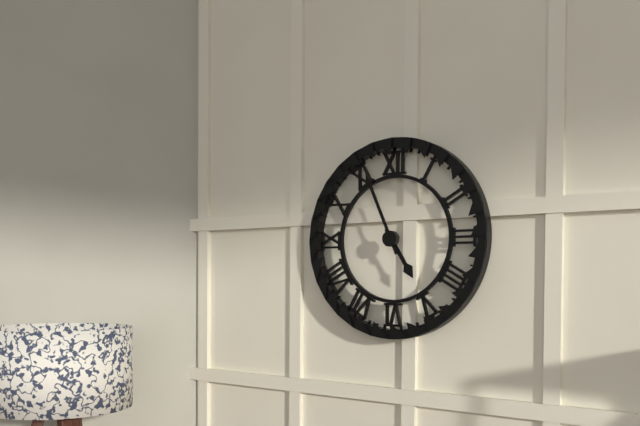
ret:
4:56
